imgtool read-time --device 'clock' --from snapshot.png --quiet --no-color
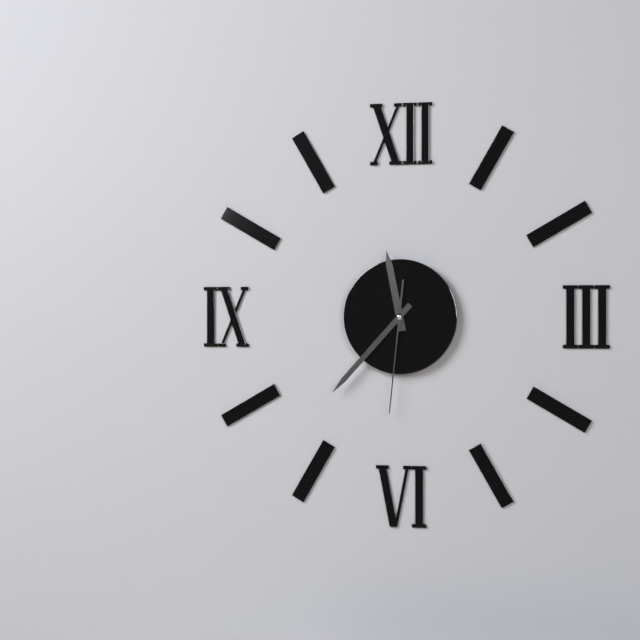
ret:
11:37:31
